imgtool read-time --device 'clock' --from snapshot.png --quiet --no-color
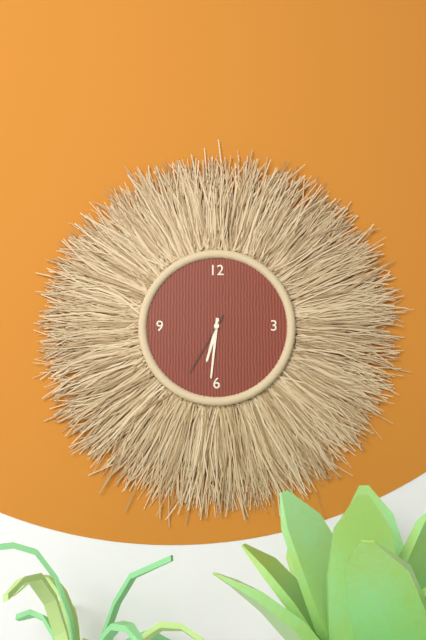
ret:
6:31:35
